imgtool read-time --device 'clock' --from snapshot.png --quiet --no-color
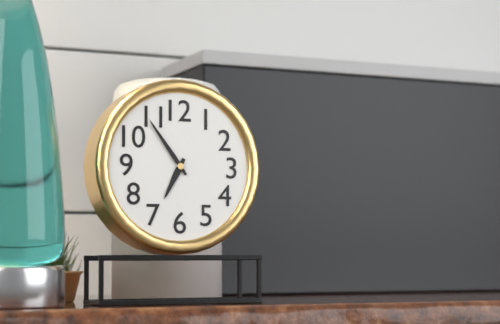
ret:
6:54
